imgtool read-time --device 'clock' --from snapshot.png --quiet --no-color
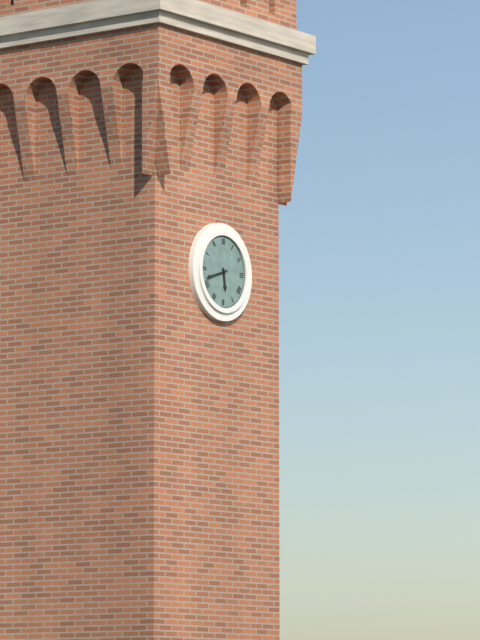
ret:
5:42
